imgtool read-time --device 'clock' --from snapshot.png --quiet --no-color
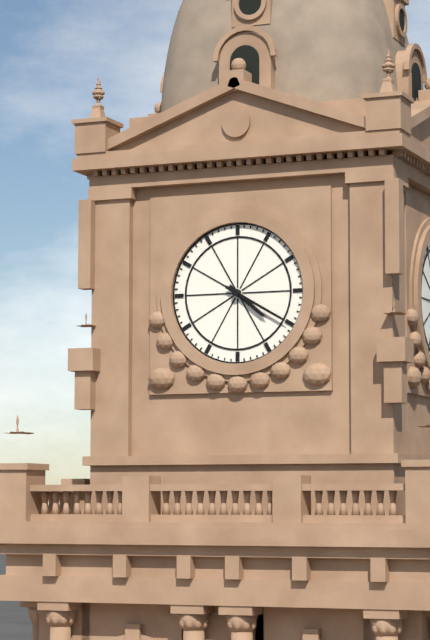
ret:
4:20
